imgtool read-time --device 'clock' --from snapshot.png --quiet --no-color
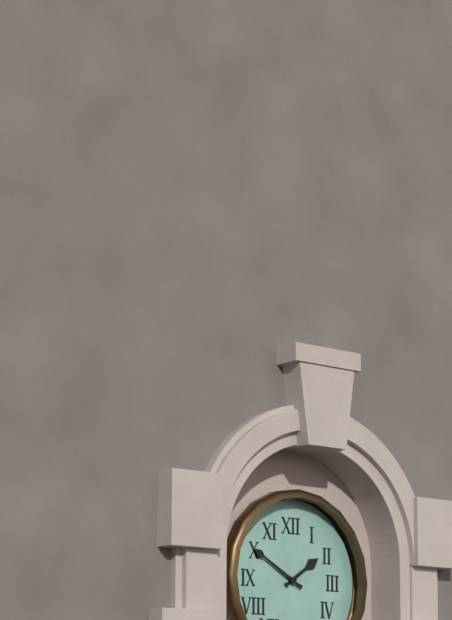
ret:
1:50
